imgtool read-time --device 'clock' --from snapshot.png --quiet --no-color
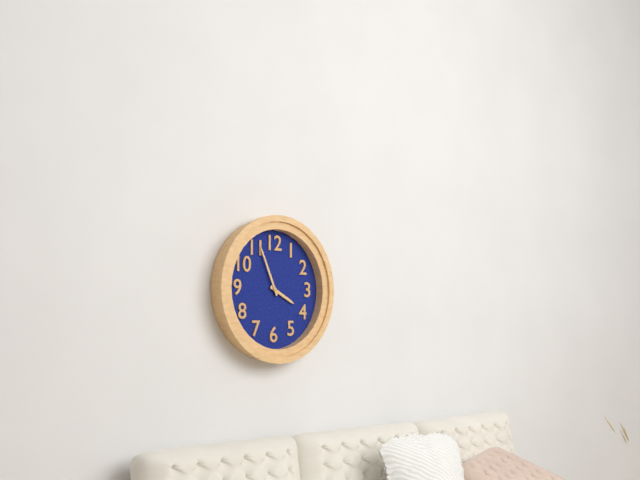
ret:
3:56
